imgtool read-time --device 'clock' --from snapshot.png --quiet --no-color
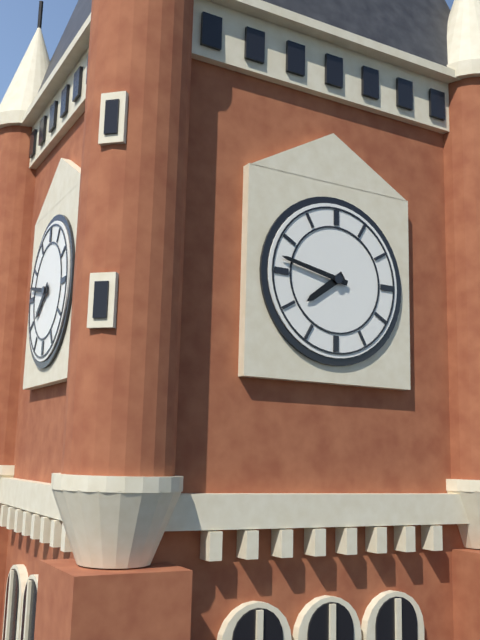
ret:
7:47
